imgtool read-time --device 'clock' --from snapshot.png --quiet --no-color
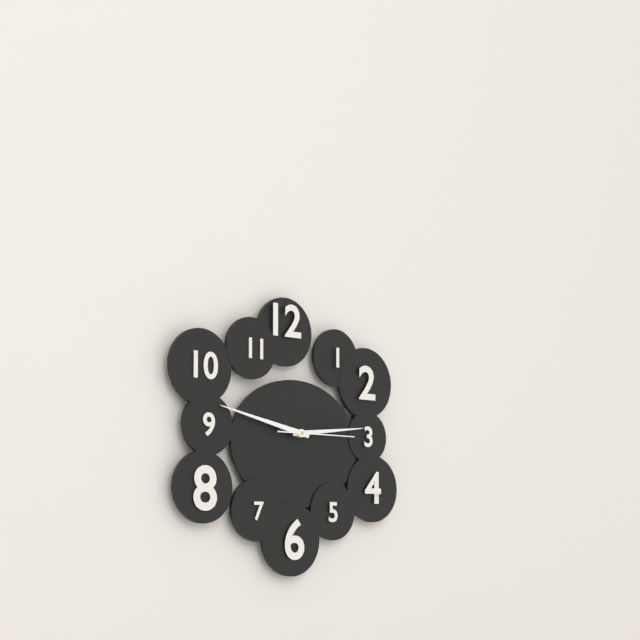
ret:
2:47:15
